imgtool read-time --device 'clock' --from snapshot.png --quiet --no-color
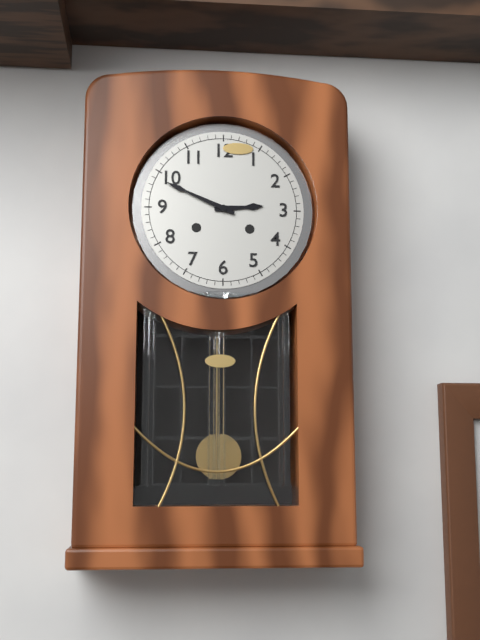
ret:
2:49
